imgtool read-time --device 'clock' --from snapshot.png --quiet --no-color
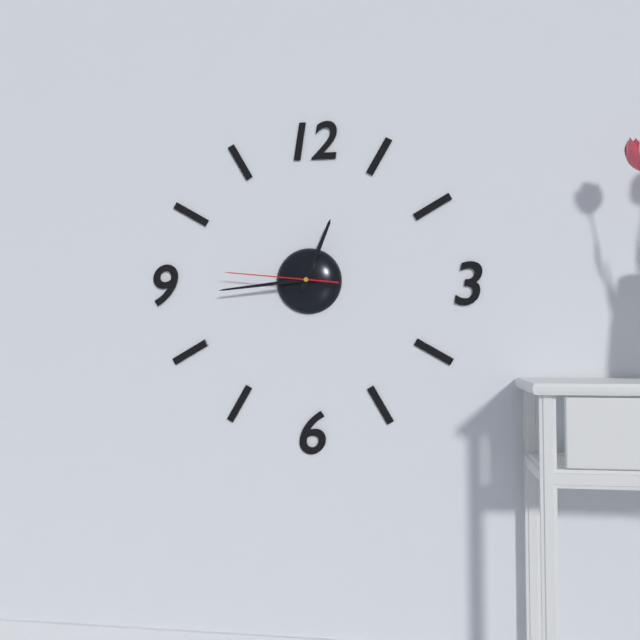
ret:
12:44:46
